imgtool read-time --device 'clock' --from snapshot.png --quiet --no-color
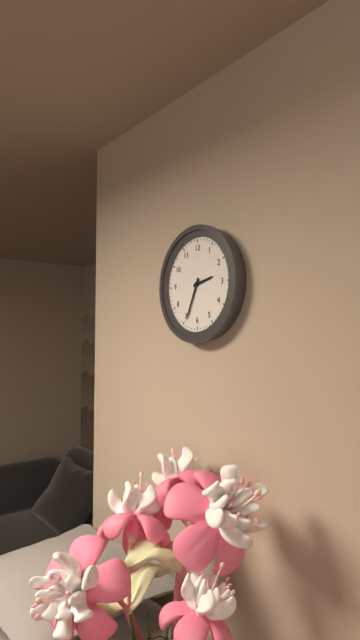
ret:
2:34
